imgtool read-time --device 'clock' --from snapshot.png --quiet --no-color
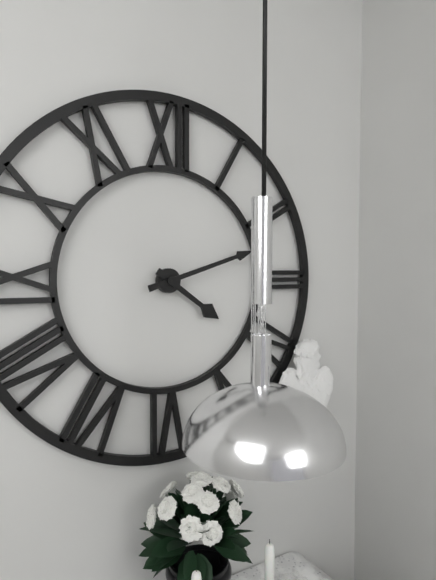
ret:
4:12
